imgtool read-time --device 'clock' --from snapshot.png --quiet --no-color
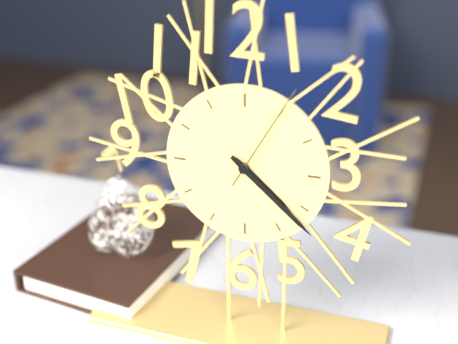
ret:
4:22:05
